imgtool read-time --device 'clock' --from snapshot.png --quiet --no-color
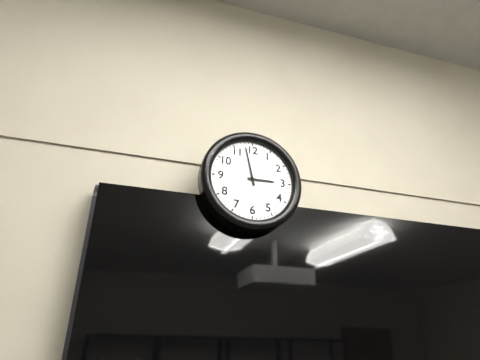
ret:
2:58
